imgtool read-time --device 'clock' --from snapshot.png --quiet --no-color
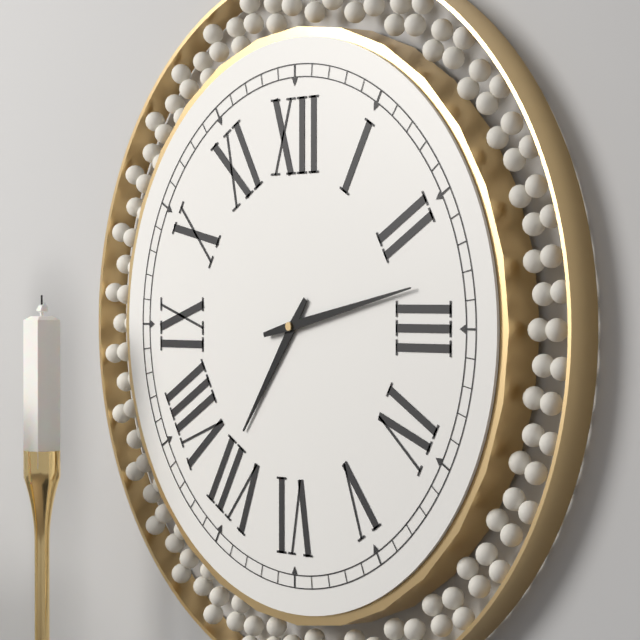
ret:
7:13
